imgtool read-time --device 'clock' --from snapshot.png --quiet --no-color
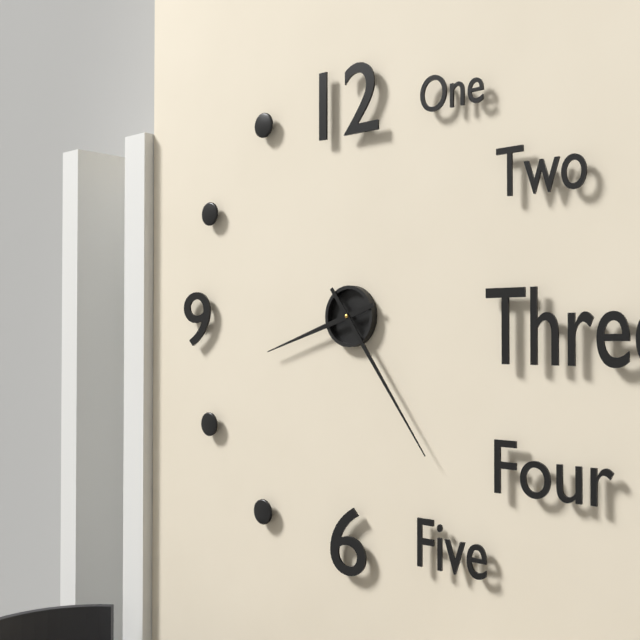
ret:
8:24
